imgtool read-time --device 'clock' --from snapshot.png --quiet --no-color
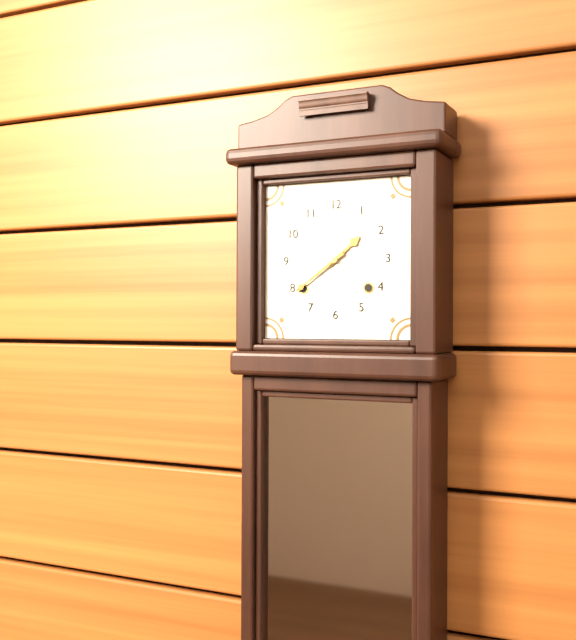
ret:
1:39
